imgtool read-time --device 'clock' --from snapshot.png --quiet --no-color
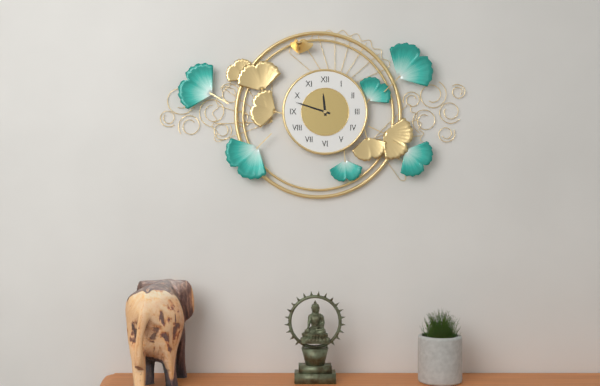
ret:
11:48
